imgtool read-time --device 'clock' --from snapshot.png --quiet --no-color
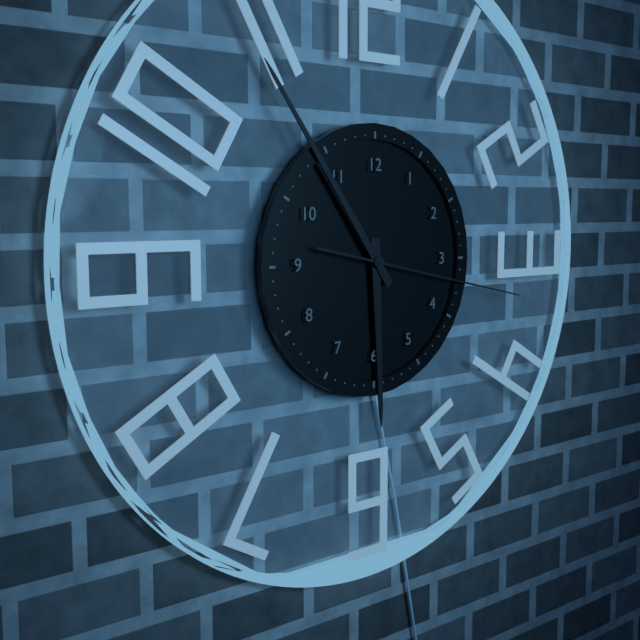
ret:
5:54:17
